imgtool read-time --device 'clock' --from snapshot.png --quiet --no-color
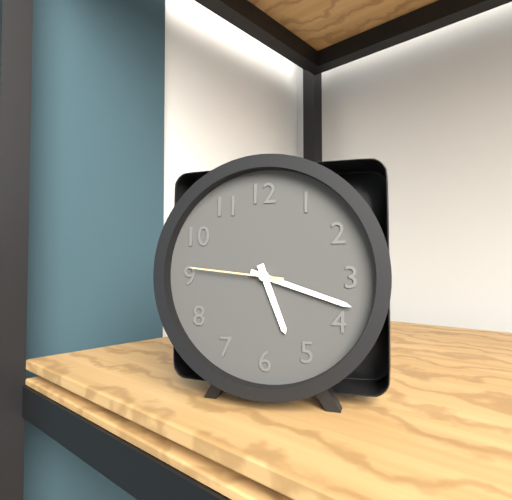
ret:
5:18:46
